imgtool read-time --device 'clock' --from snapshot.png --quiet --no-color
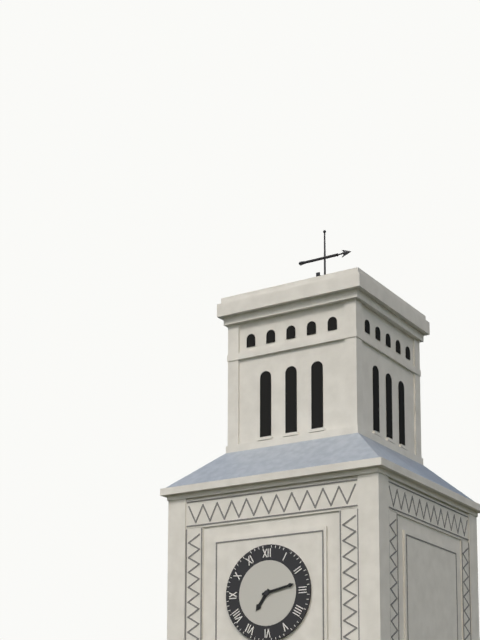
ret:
7:13
